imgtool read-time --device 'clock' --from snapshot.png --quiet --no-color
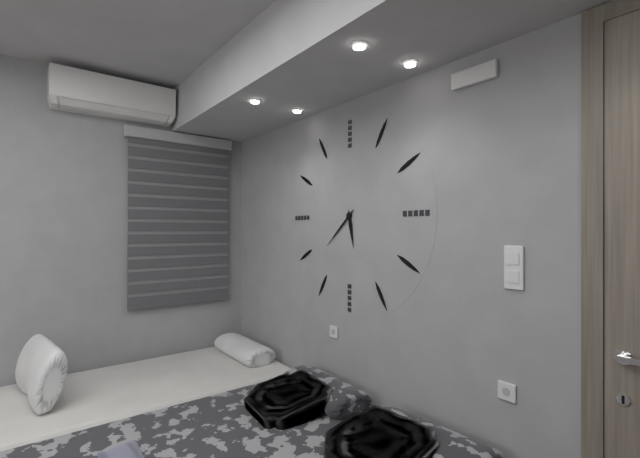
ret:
5:38
